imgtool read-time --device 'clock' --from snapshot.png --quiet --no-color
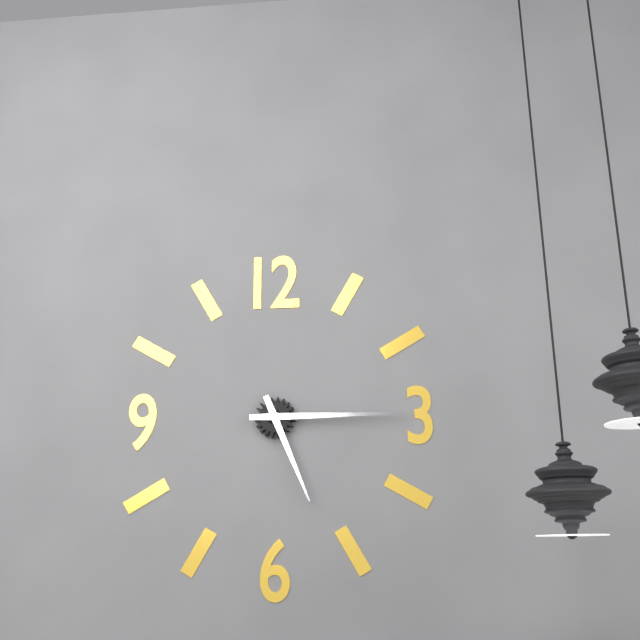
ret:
5:15
